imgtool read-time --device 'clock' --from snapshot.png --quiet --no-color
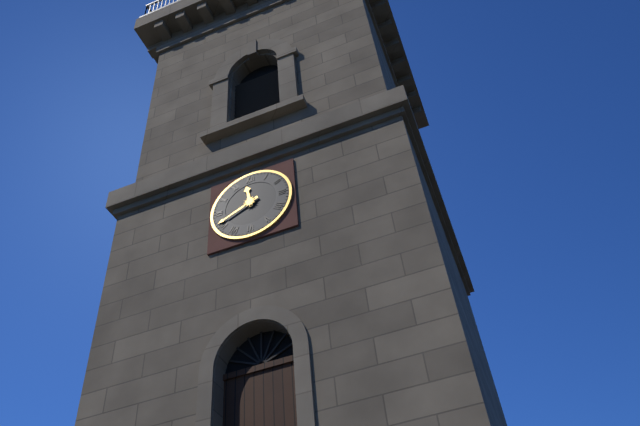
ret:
11:41
